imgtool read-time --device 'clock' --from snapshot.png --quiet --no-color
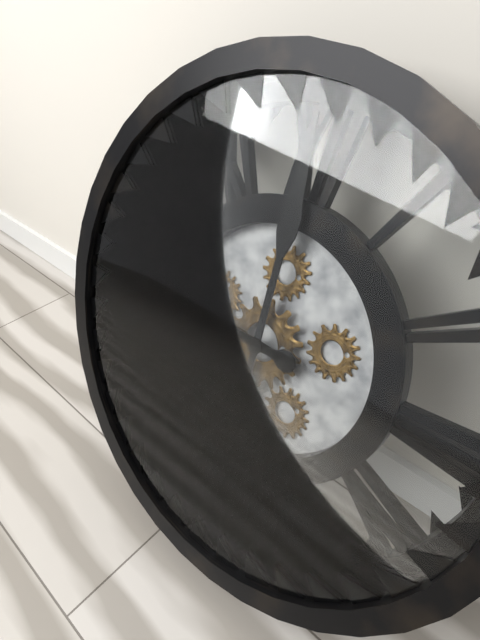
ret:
9:00
